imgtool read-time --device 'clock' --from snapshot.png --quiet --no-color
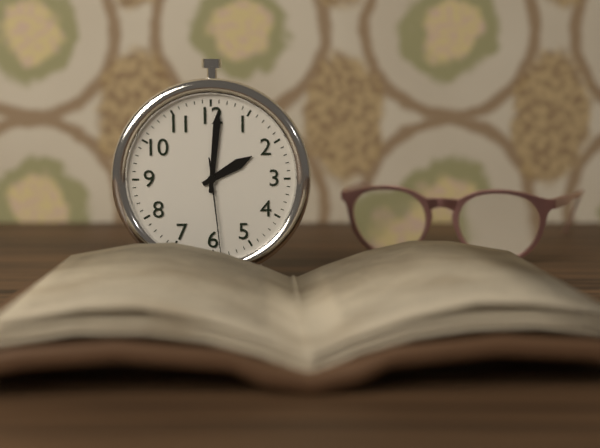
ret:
2:01:29
